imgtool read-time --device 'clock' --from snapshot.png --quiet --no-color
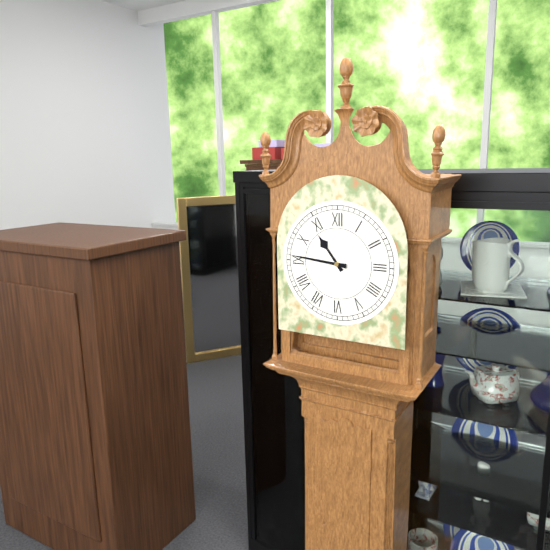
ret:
10:46
